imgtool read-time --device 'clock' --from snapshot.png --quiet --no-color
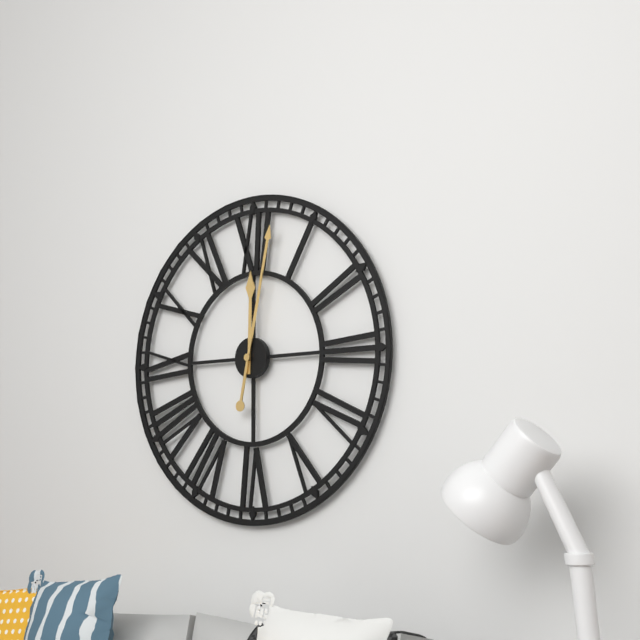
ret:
12:02
